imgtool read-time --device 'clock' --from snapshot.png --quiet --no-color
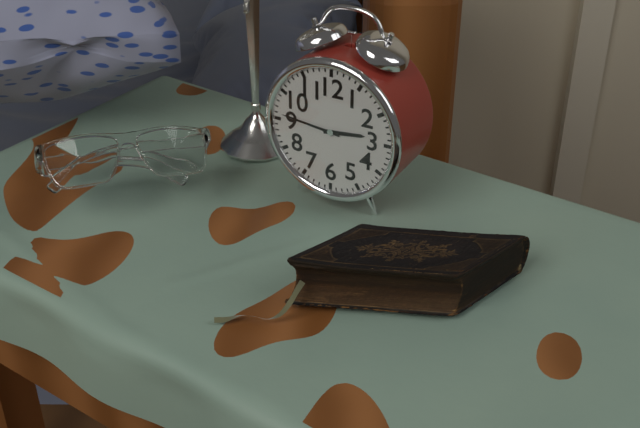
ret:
2:46
